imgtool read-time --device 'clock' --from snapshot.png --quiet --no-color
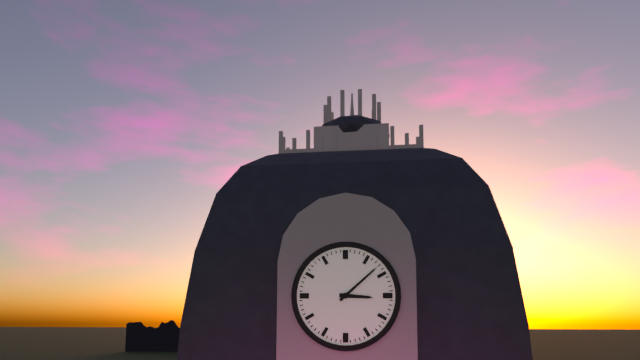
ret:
3:08
